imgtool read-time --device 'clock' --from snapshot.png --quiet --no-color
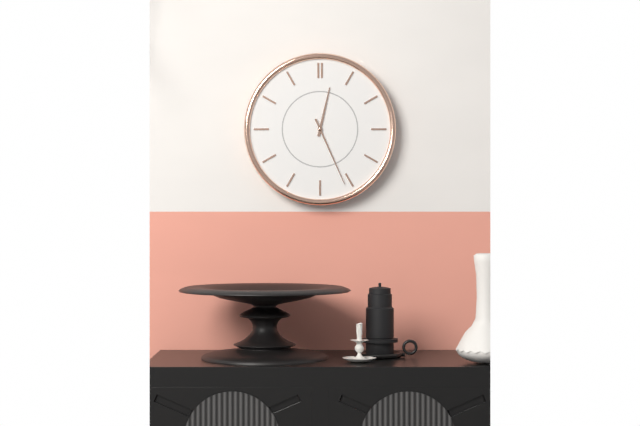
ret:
12:26
